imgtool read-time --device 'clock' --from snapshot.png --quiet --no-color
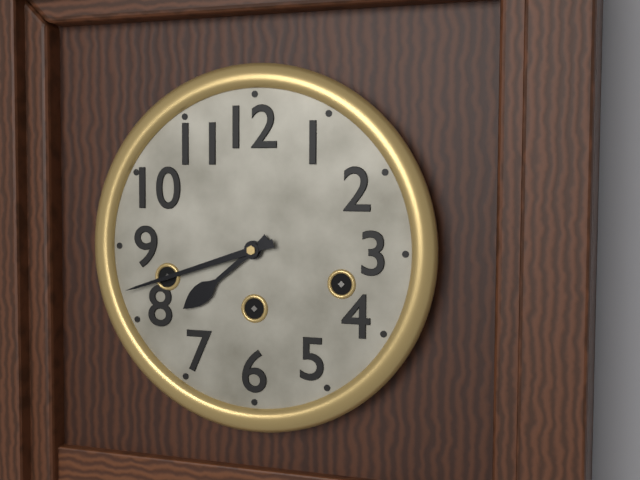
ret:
7:42
